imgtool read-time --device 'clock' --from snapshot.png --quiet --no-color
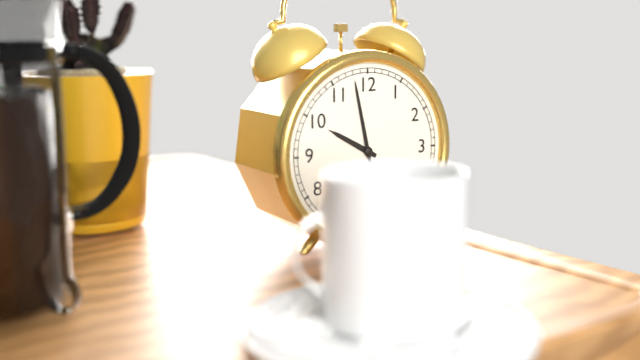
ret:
9:58
